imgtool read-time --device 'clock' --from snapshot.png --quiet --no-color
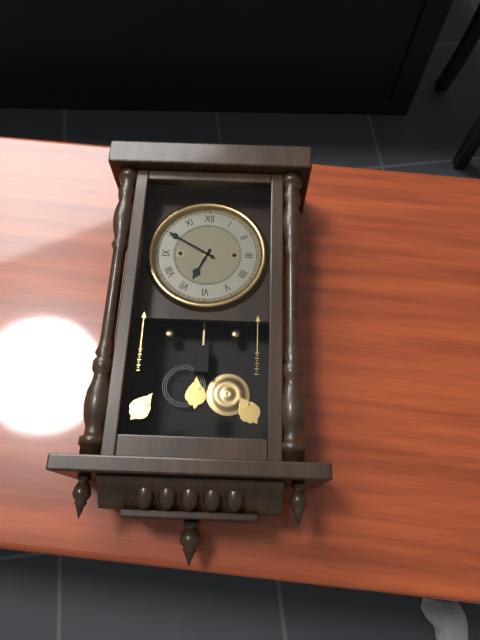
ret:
6:50
